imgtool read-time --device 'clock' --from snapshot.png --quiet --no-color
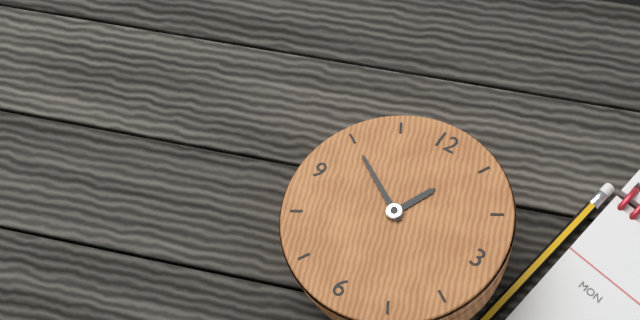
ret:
12:50
